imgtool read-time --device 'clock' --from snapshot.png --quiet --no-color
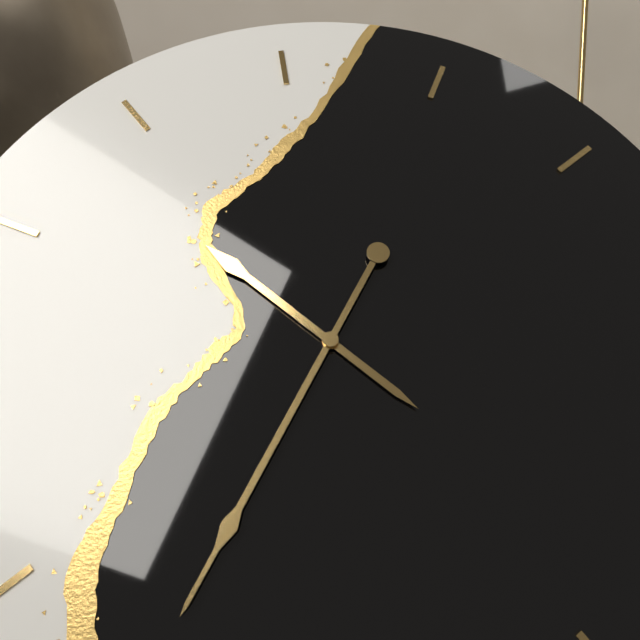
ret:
10:36
